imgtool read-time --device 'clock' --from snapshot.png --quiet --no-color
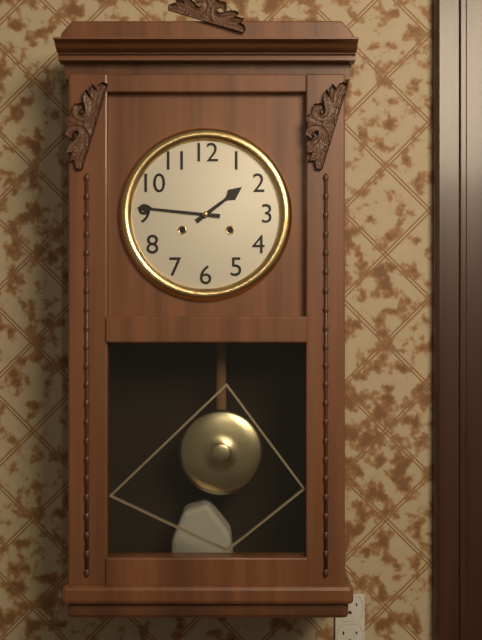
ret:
1:46
